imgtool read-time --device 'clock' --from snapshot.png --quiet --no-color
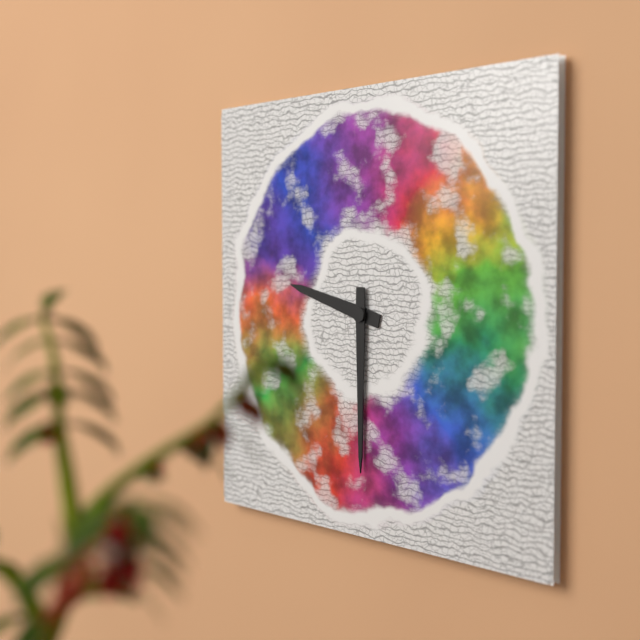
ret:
9:30
